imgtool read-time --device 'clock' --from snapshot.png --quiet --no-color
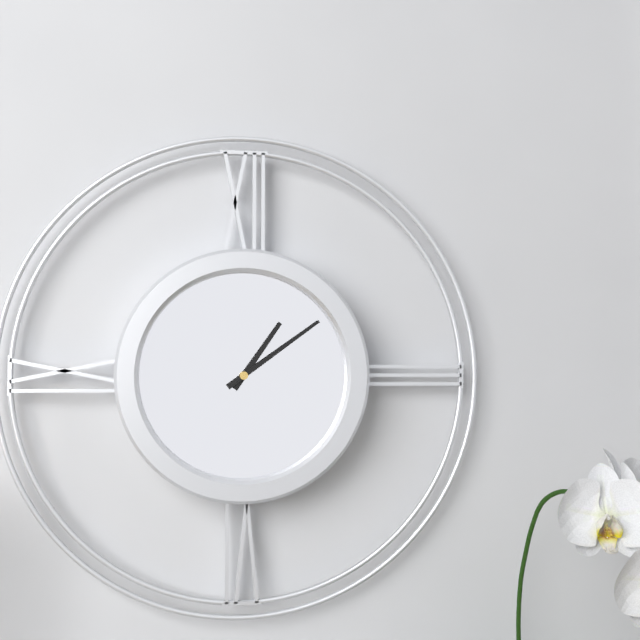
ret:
1:09
